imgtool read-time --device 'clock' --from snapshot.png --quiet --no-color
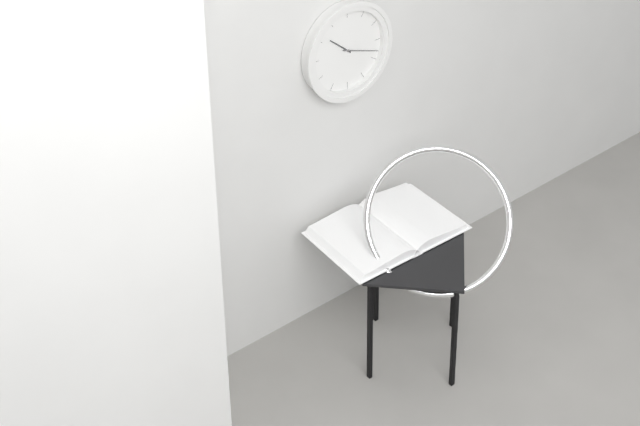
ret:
10:18
